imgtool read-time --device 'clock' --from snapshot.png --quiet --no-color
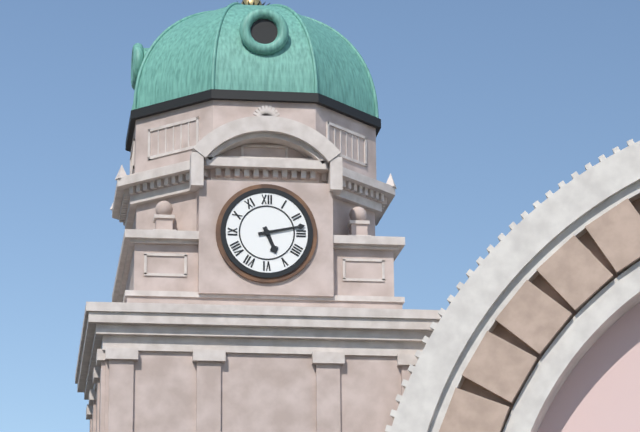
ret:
5:13
